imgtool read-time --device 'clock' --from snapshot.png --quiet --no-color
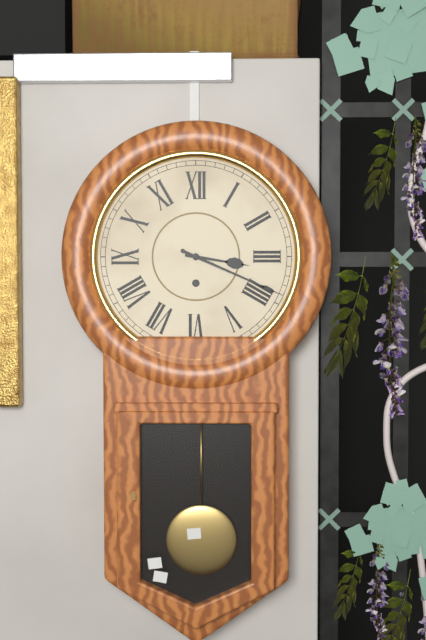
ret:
3:19
